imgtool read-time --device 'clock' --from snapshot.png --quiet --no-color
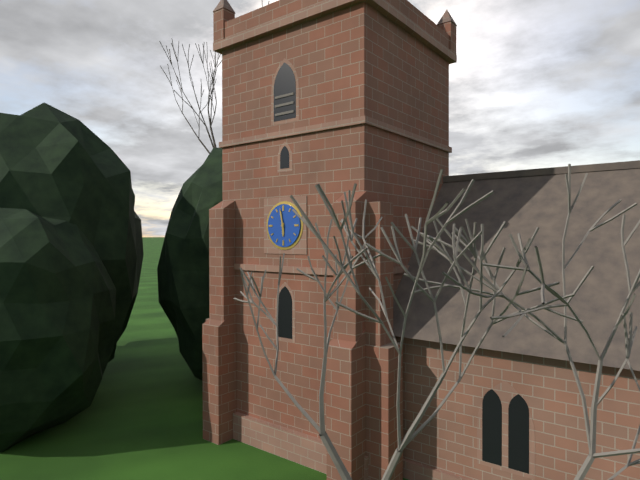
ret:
5:58
